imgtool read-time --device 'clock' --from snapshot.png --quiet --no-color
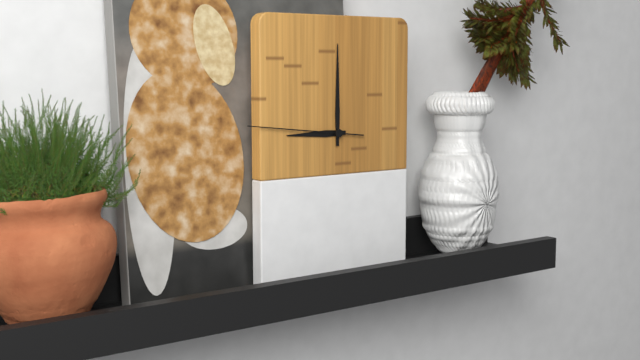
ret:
9:00:46
